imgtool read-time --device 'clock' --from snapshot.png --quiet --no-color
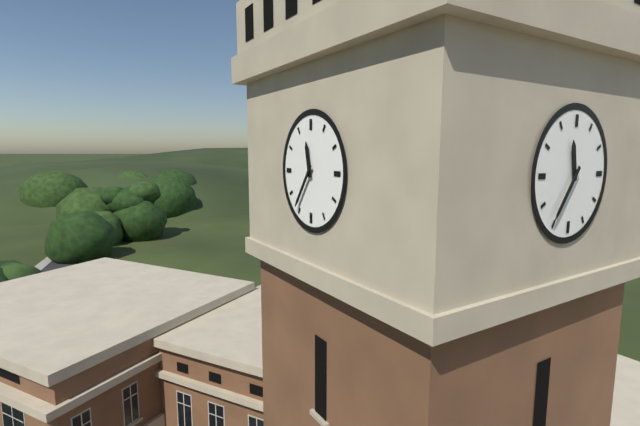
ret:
11:36
